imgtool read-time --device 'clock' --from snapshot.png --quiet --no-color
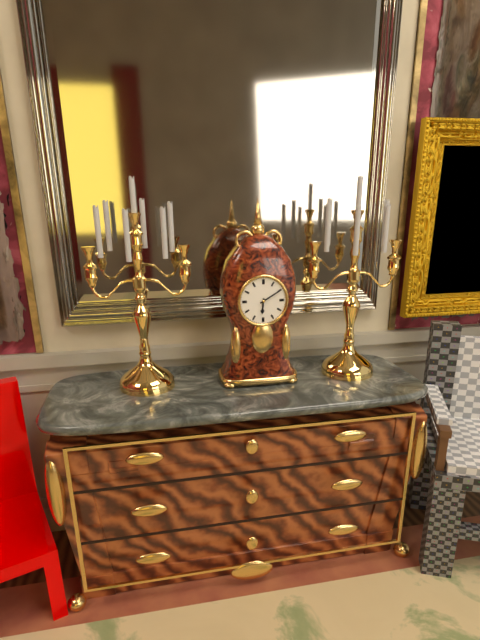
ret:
6:10
